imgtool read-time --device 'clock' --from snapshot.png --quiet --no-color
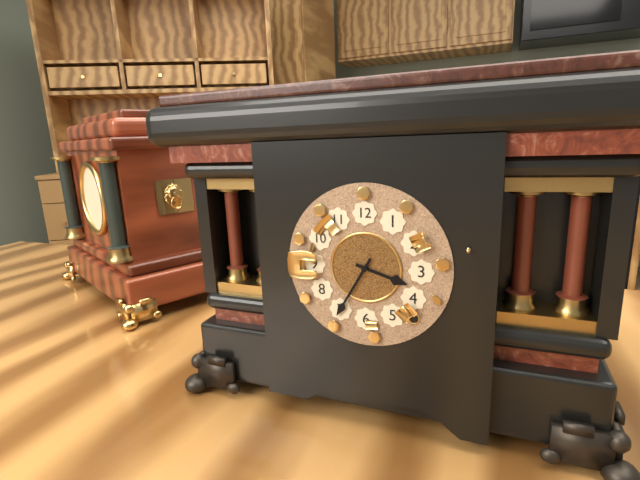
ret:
3:35
